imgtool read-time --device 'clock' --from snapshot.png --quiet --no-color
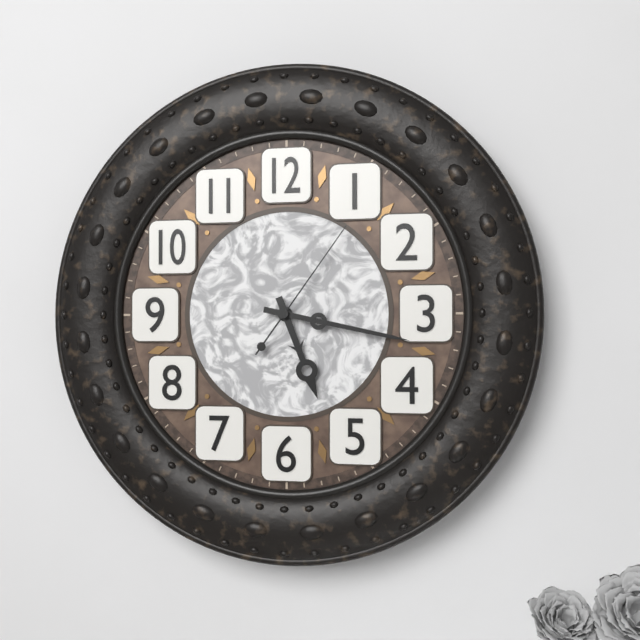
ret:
5:17:06
